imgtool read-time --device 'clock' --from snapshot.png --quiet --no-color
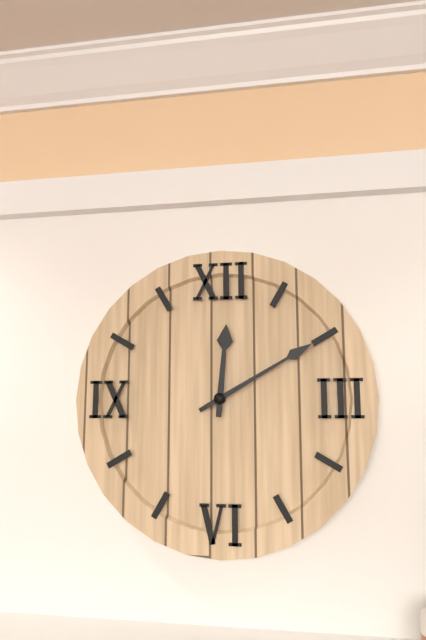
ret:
12:10
